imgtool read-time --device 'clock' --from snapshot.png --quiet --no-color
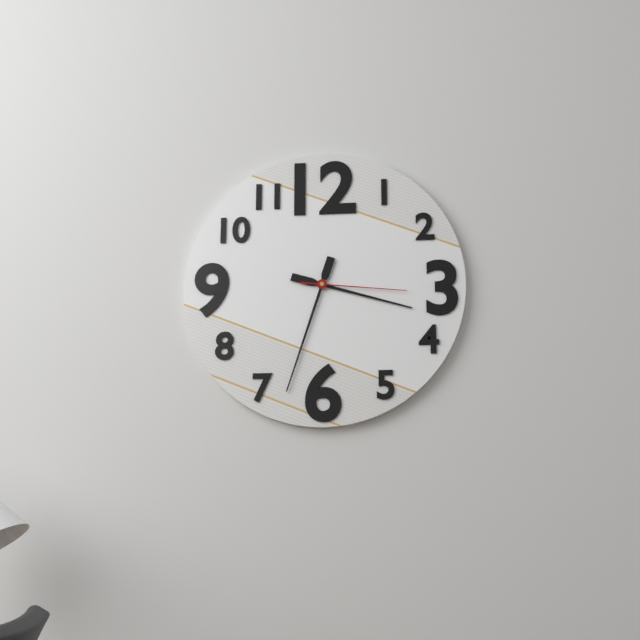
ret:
3:33:16
